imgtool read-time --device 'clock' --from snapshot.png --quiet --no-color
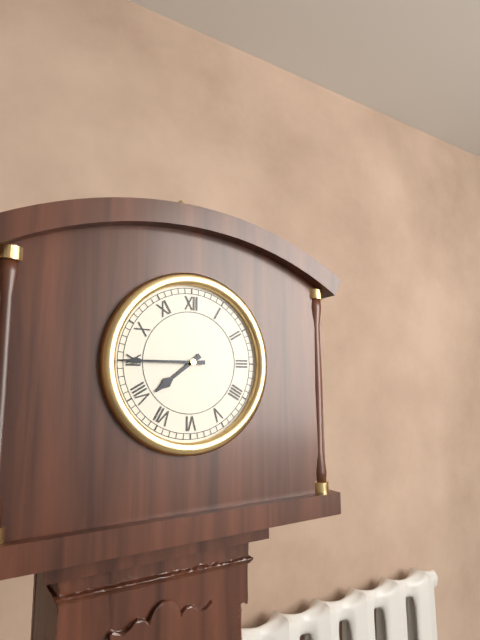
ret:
7:45
